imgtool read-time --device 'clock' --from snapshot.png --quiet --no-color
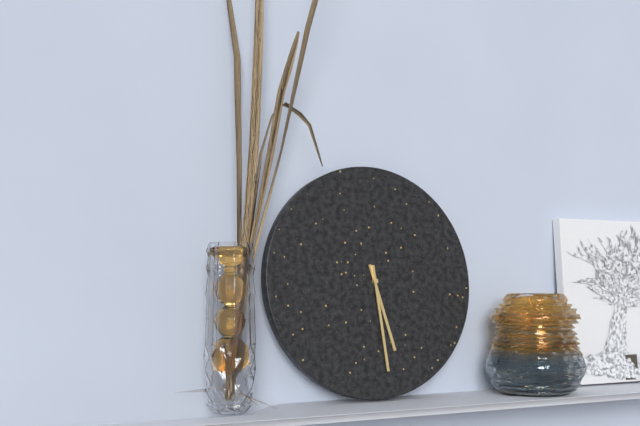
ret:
5:29
